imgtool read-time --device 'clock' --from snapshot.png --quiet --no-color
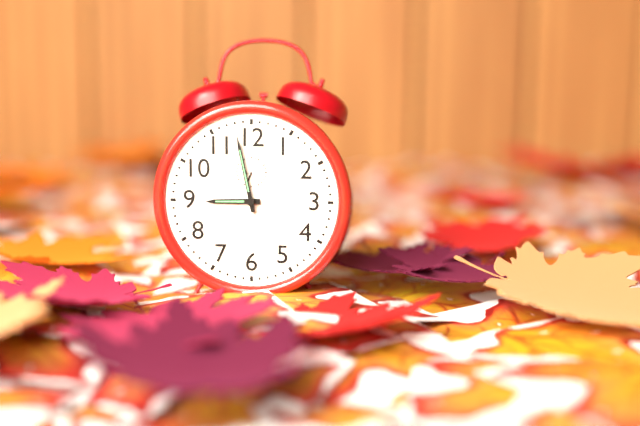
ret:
8:58
